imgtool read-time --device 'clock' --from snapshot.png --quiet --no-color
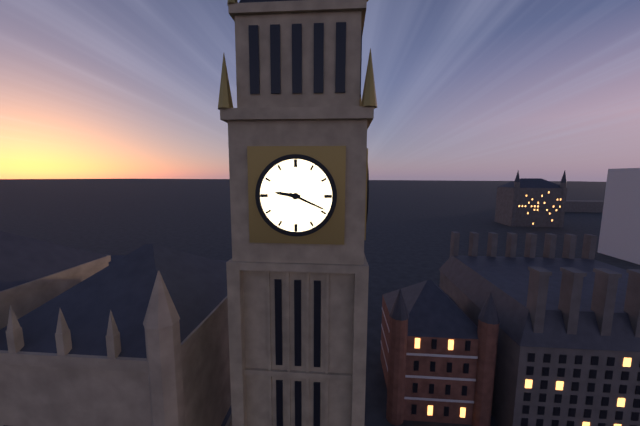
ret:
9:19
